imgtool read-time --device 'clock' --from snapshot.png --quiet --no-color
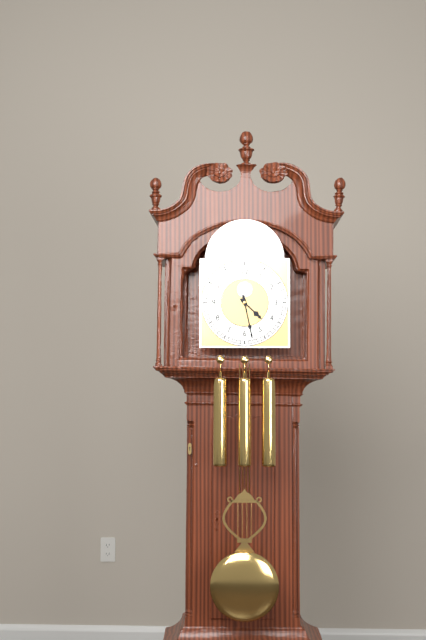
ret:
4:28
